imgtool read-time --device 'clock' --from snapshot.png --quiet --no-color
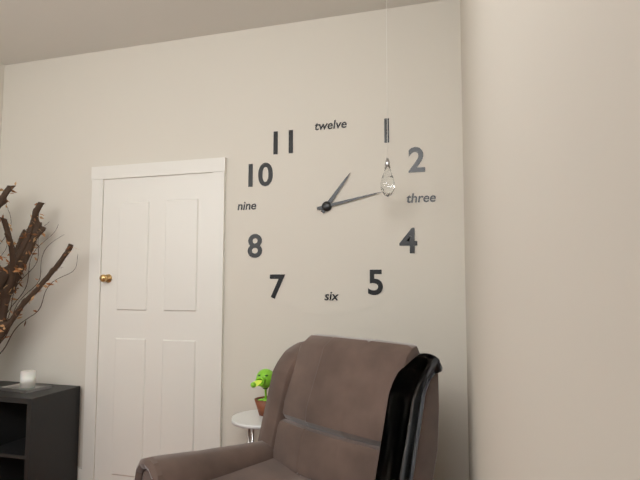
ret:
1:13
